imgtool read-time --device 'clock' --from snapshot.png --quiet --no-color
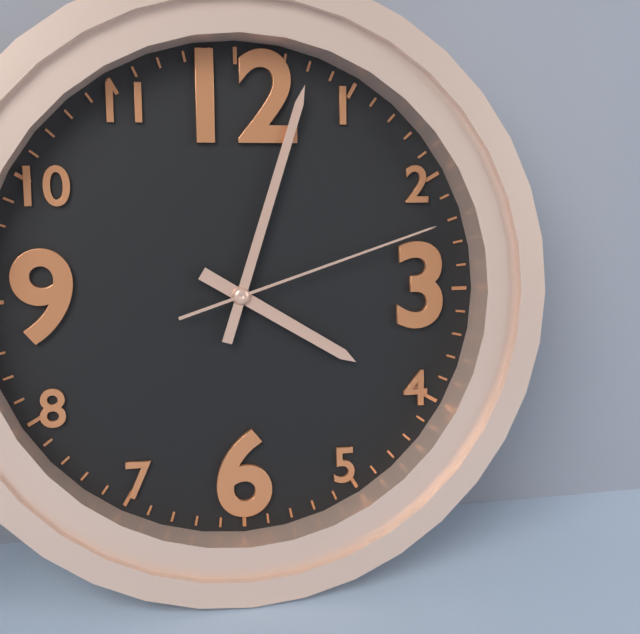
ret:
4:03:12
